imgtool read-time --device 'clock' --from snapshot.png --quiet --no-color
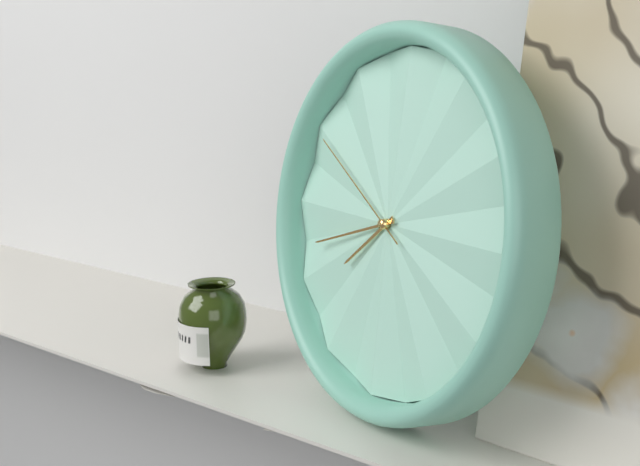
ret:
7:42:50
